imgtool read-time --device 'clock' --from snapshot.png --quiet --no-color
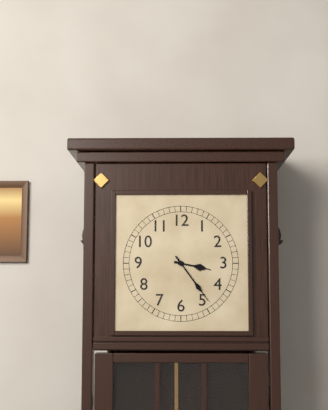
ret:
3:24
